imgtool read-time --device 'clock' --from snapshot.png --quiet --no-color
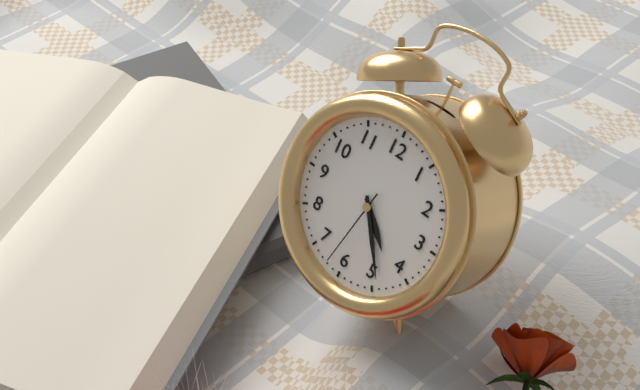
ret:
4:24:32
